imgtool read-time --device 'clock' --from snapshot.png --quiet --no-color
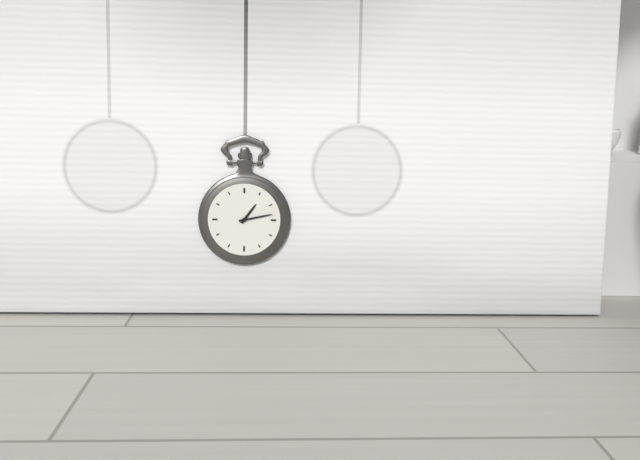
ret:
1:13
